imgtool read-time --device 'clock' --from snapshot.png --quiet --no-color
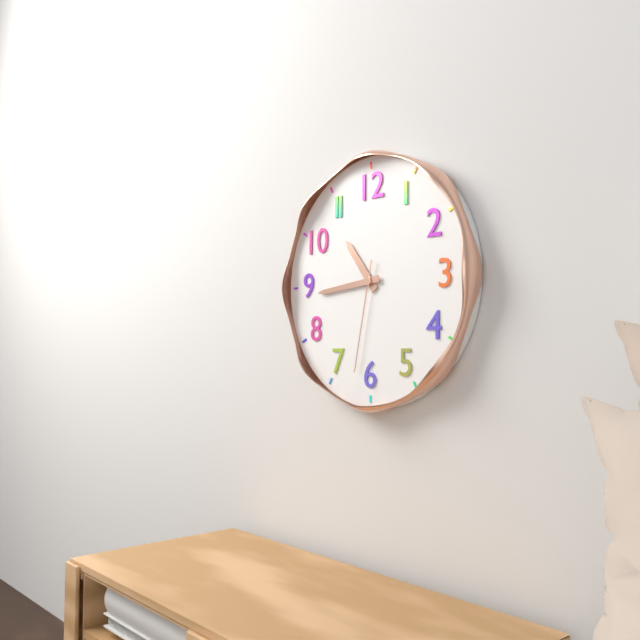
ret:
10:44:32
